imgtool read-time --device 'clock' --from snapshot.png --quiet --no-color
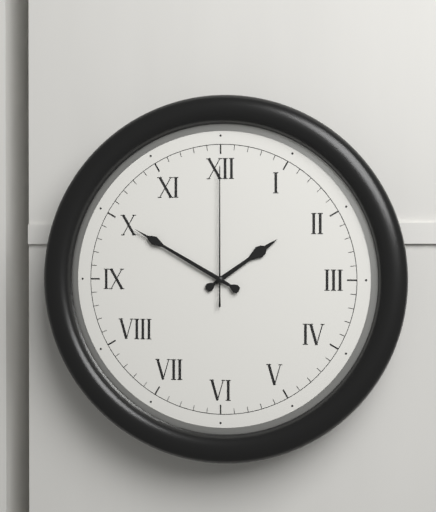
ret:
1:50:00
